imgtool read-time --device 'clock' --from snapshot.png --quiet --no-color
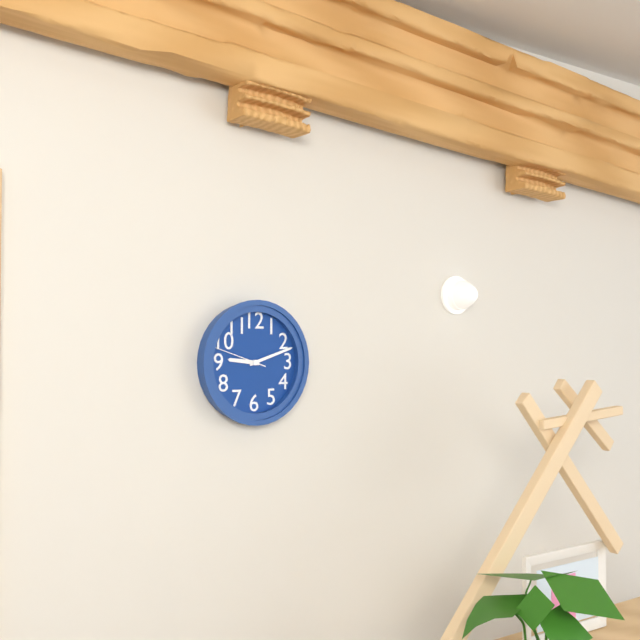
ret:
9:12:48
